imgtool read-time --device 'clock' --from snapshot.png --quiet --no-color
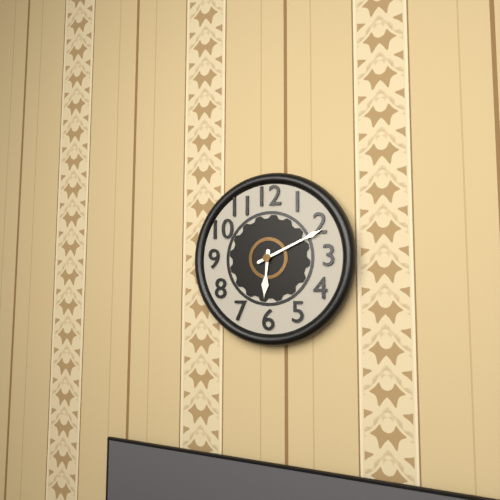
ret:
6:11
